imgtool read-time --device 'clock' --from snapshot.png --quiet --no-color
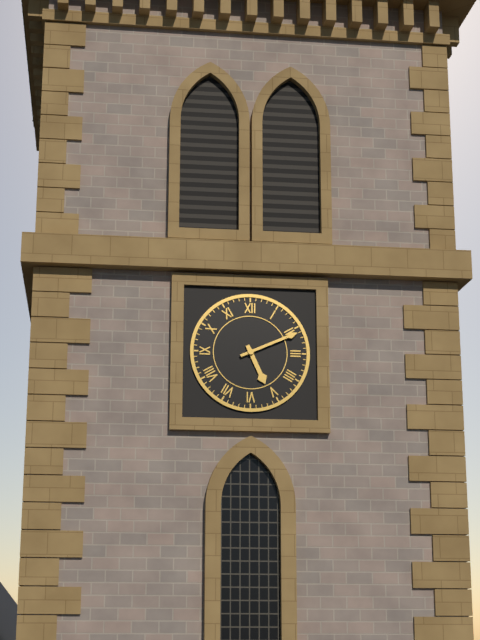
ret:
5:11
